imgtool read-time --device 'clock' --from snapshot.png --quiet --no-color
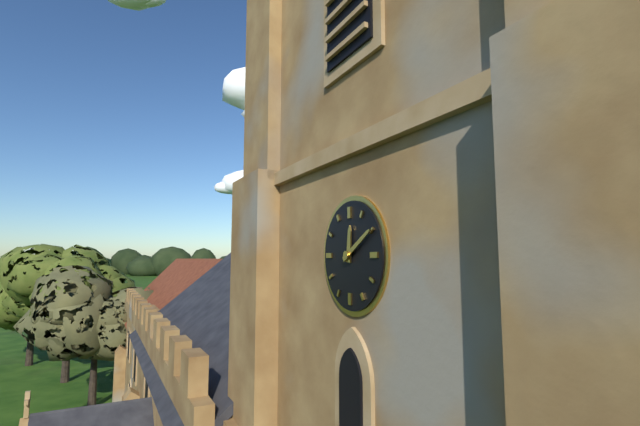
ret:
12:10
